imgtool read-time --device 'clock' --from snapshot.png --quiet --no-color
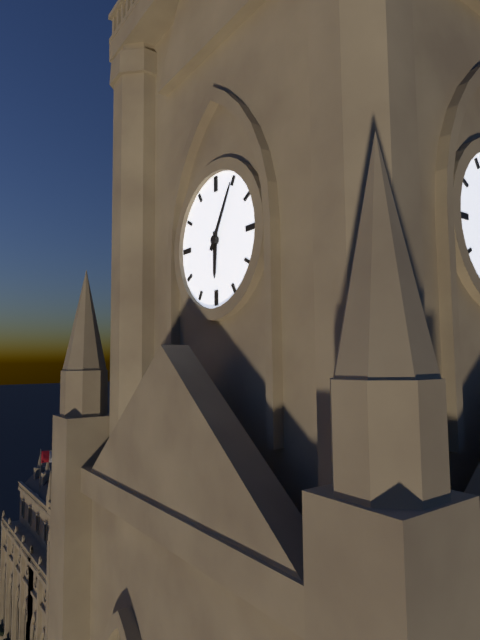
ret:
6:05
